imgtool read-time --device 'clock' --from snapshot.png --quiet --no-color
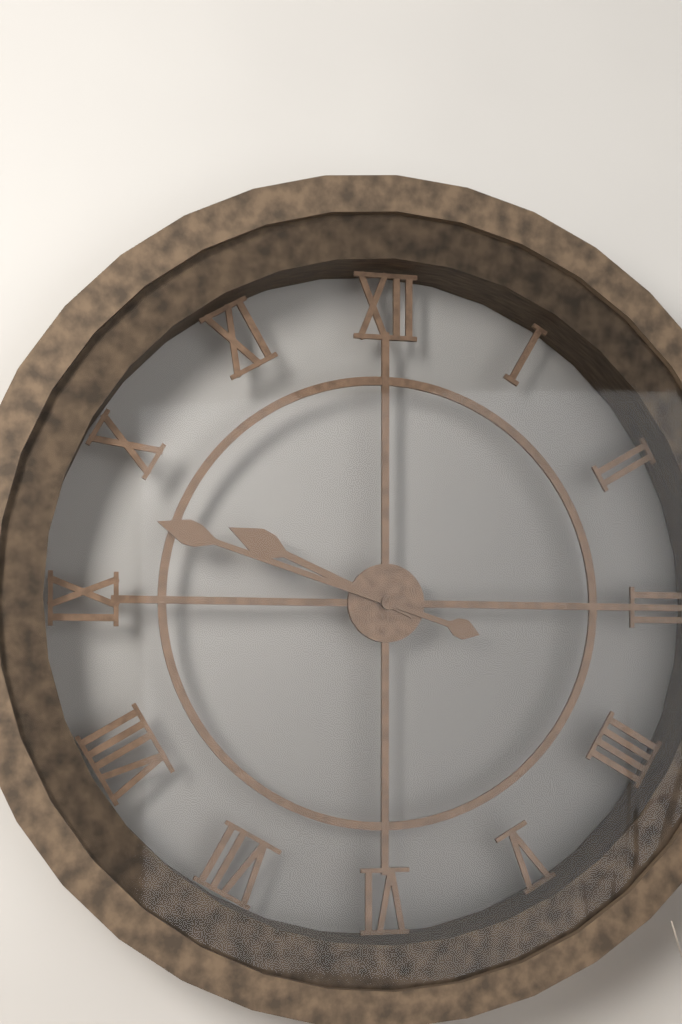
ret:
9:48
